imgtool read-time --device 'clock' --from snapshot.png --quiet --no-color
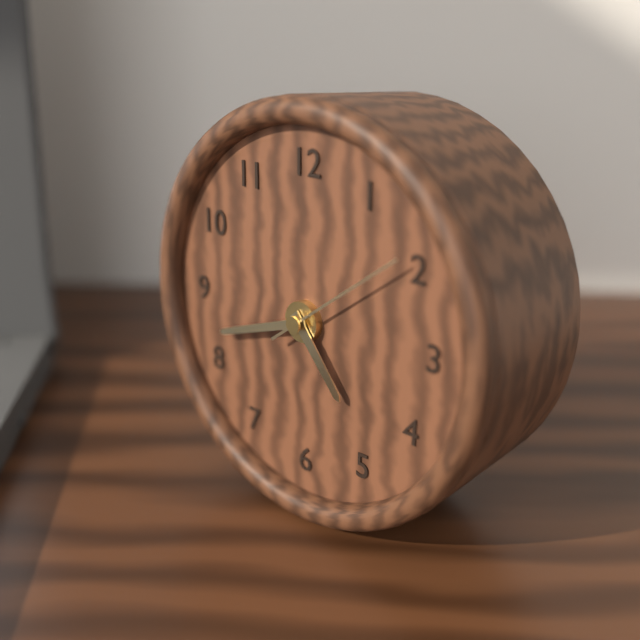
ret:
4:42:09
